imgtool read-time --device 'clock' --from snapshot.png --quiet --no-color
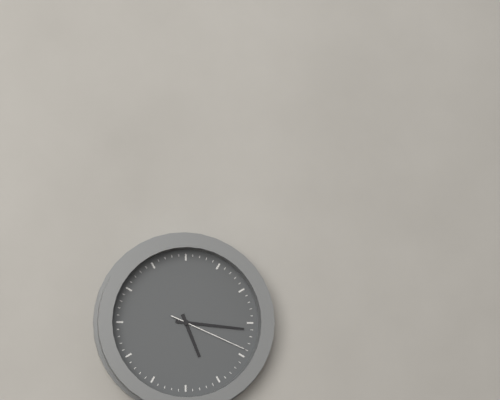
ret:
5:16:19
